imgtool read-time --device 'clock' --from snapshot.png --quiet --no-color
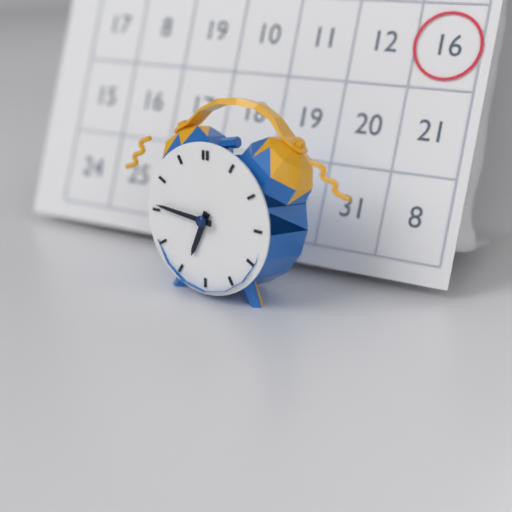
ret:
6:46
